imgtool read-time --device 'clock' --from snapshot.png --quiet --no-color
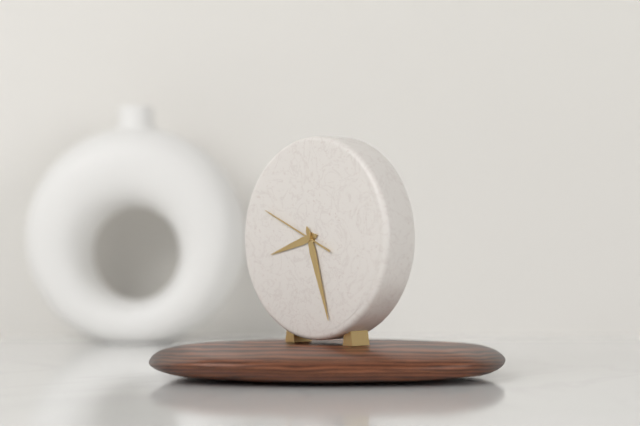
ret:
8:27:49
